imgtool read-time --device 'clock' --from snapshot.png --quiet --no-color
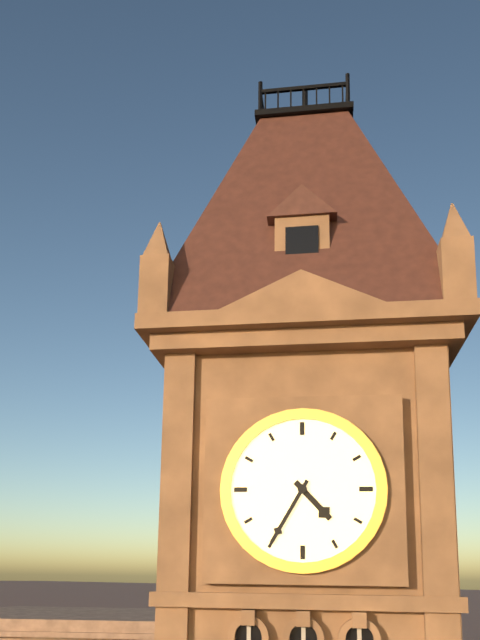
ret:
4:35
